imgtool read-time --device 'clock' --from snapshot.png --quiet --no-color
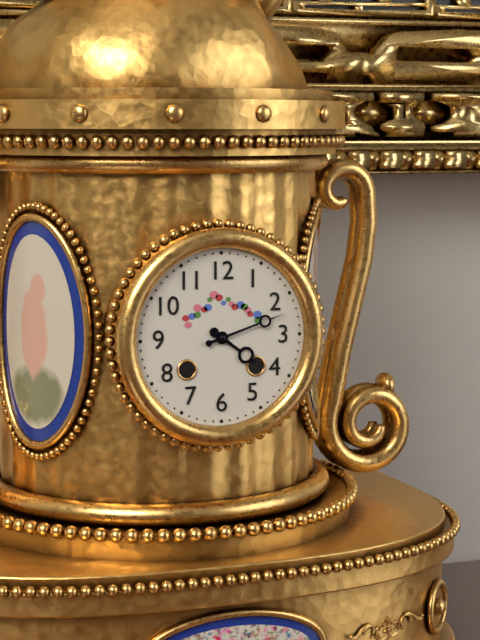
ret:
4:12
